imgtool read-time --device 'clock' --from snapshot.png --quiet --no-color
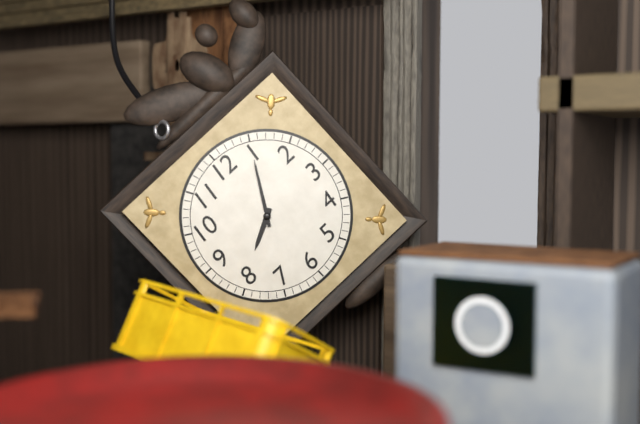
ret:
8:05
